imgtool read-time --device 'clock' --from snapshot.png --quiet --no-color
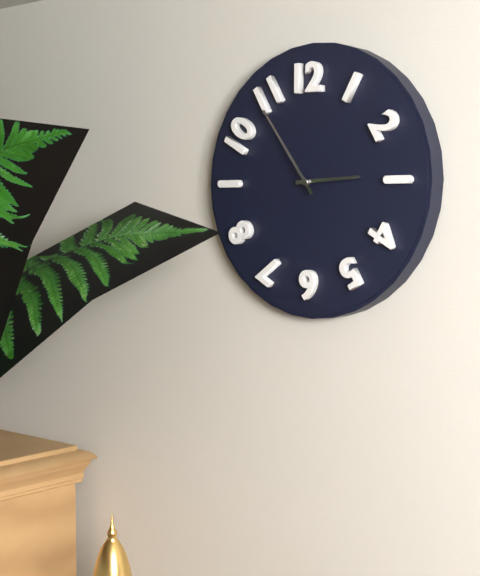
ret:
2:54
